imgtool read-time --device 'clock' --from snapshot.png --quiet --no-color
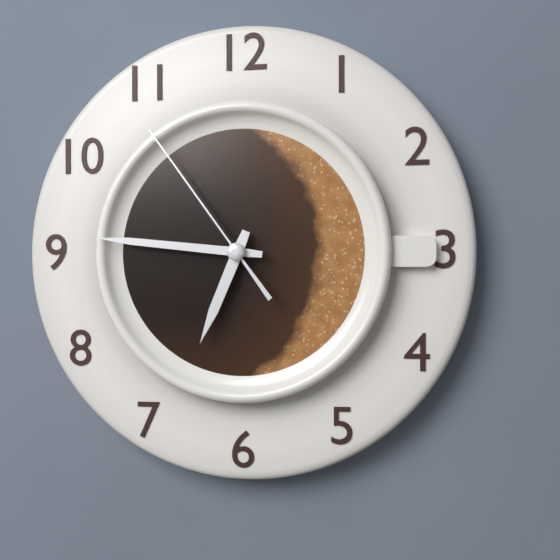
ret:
6:46:54
